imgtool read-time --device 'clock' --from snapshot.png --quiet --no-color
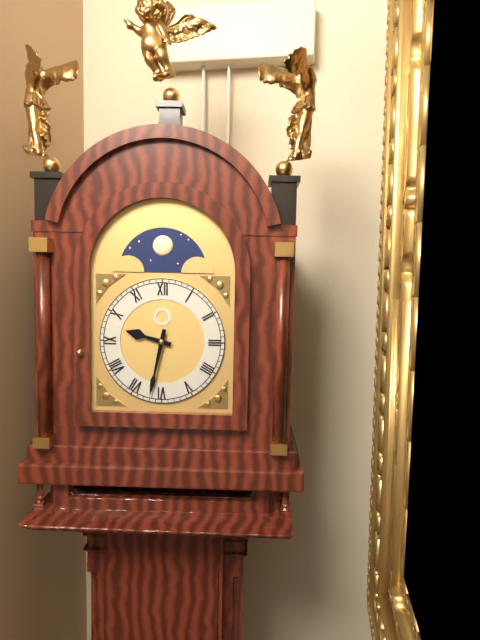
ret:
9:32
